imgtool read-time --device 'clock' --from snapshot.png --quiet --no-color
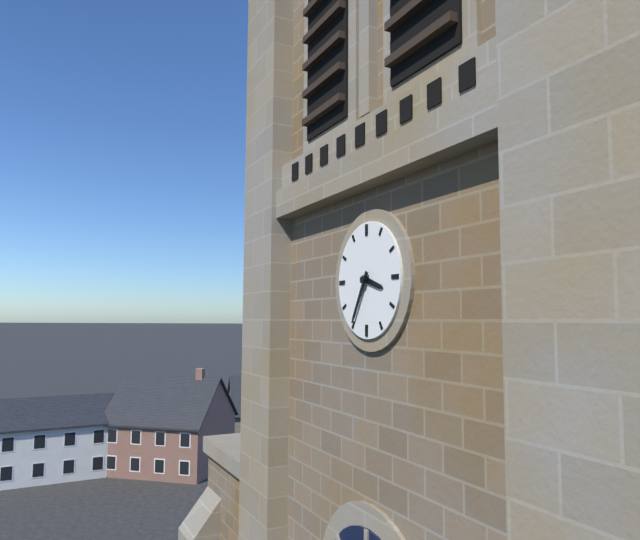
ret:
3:35
